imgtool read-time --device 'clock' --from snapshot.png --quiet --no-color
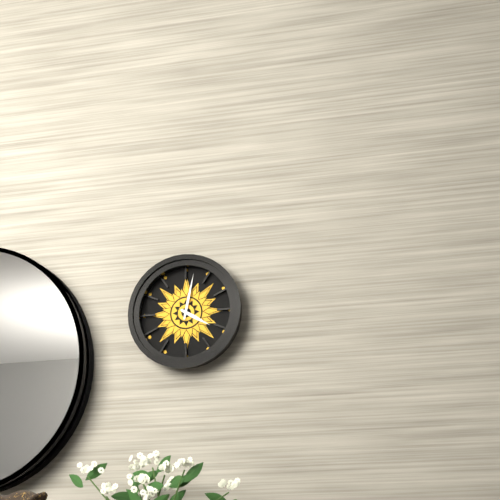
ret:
4:02
